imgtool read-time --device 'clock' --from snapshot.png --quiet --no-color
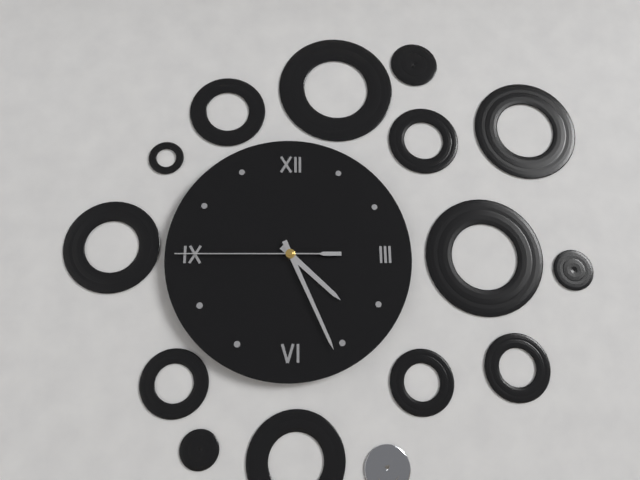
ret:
4:26:45
